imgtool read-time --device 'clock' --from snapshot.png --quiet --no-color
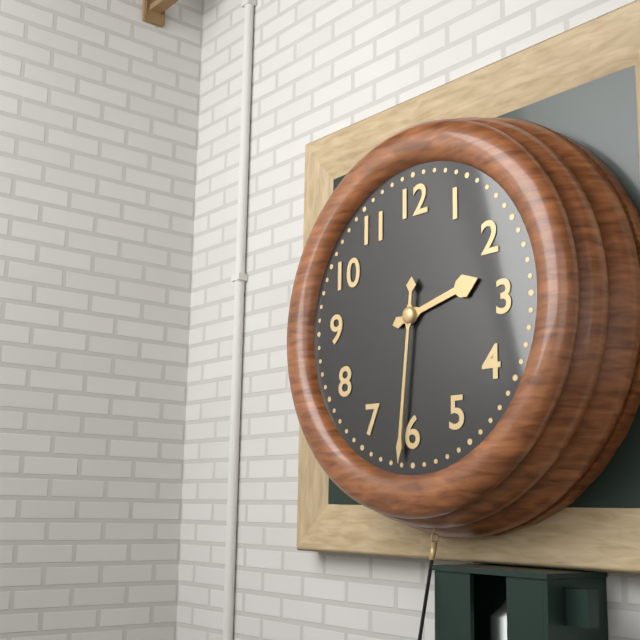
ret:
2:31
